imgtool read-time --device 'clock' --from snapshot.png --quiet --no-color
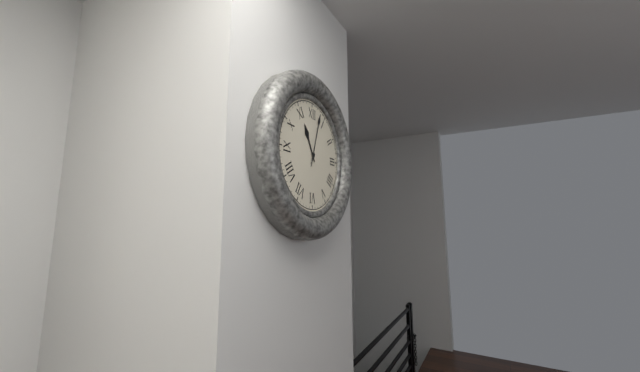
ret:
11:03
